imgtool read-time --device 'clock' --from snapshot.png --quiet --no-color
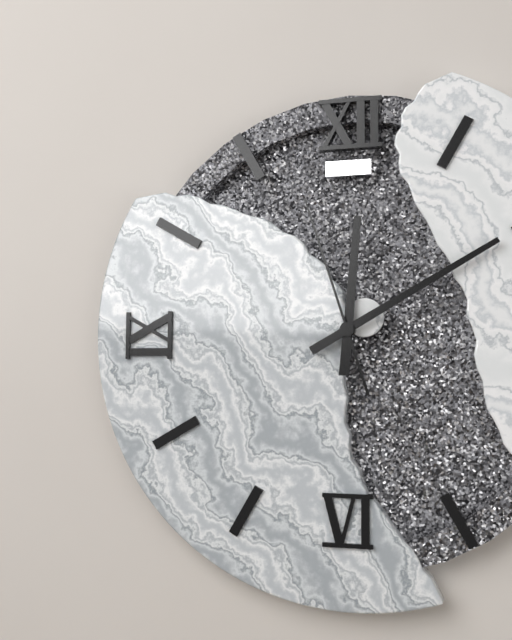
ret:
12:10:57
